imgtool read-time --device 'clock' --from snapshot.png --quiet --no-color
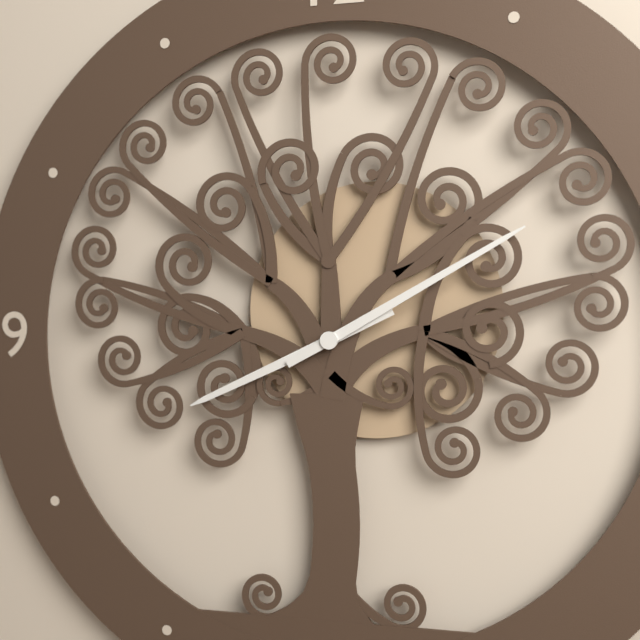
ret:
8:10
